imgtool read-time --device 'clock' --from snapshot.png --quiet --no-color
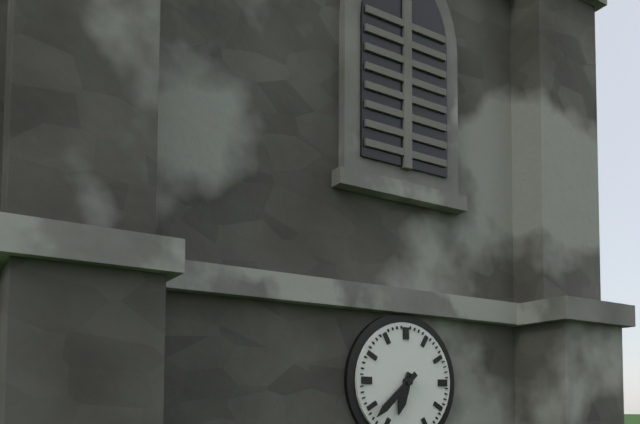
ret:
6:38
